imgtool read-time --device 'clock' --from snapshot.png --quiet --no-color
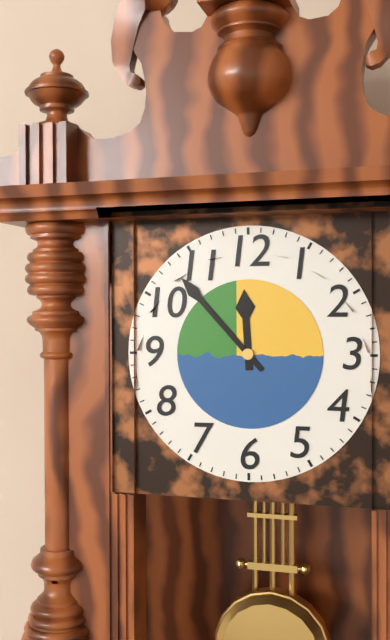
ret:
11:53
